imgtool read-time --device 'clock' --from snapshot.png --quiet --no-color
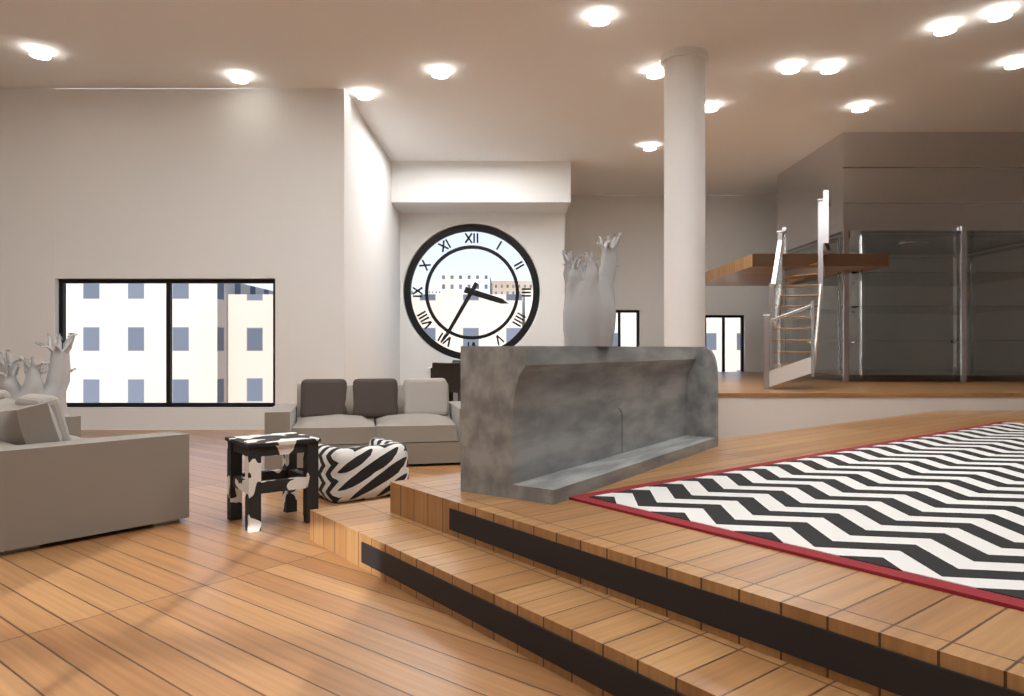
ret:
3:35
